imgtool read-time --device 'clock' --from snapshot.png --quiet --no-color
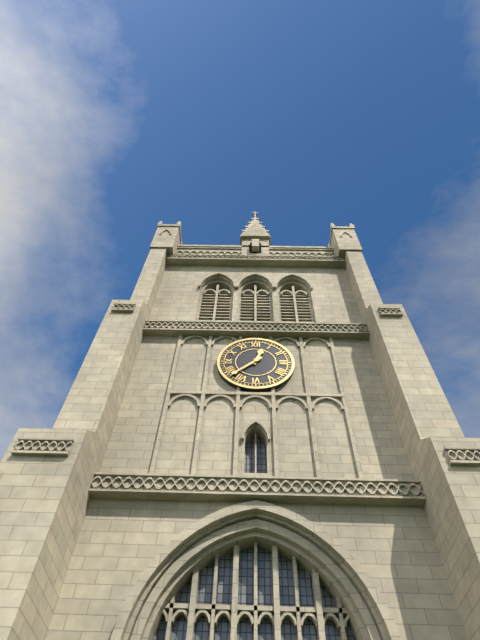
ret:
12:38
